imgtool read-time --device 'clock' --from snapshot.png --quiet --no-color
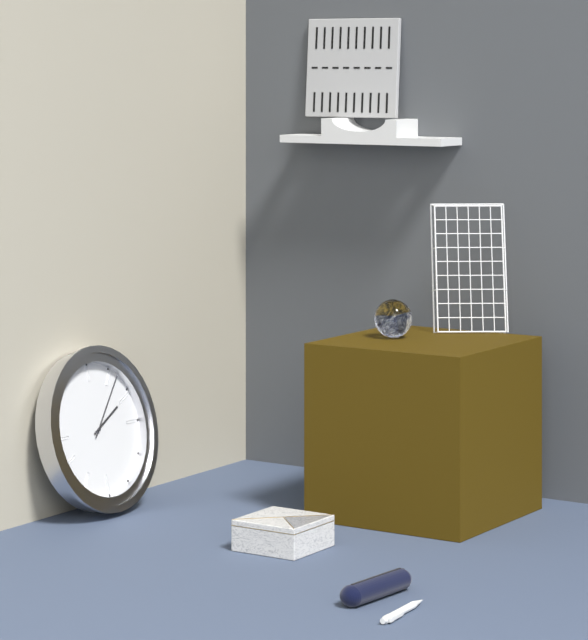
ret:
2:07
